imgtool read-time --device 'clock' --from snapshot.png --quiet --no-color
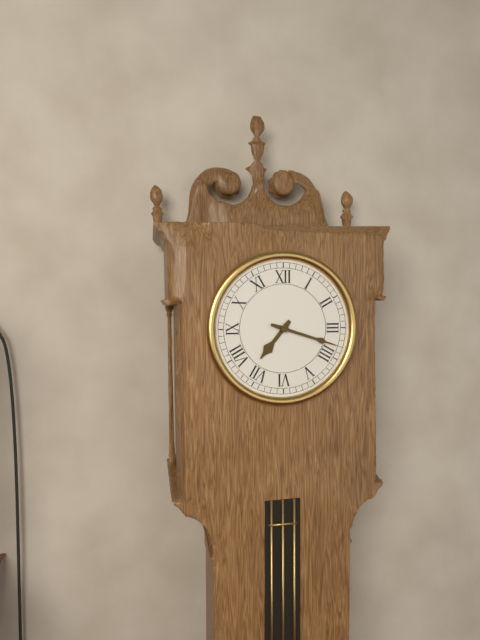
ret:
7:18
